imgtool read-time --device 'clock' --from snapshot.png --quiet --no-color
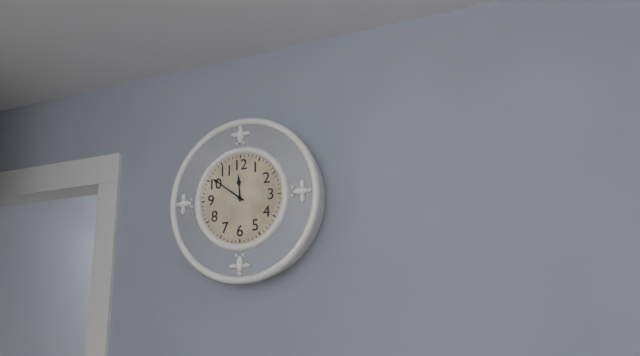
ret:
11:51
